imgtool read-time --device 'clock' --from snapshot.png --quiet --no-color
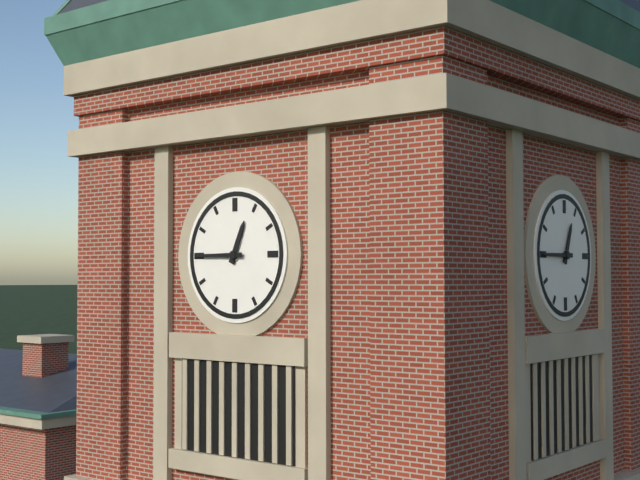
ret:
12:45
